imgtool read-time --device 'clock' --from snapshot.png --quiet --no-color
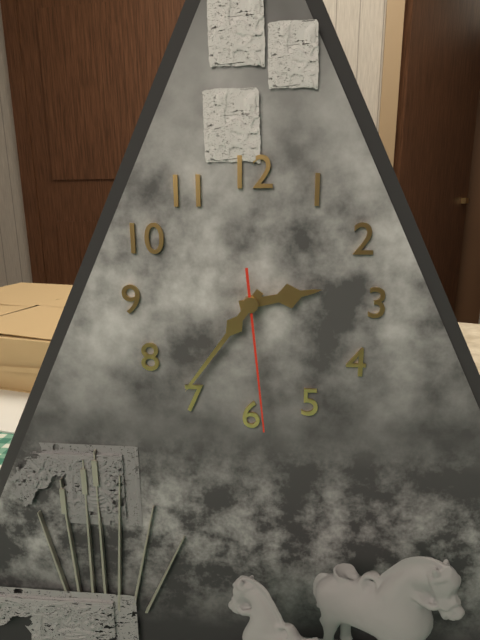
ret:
2:36:29
